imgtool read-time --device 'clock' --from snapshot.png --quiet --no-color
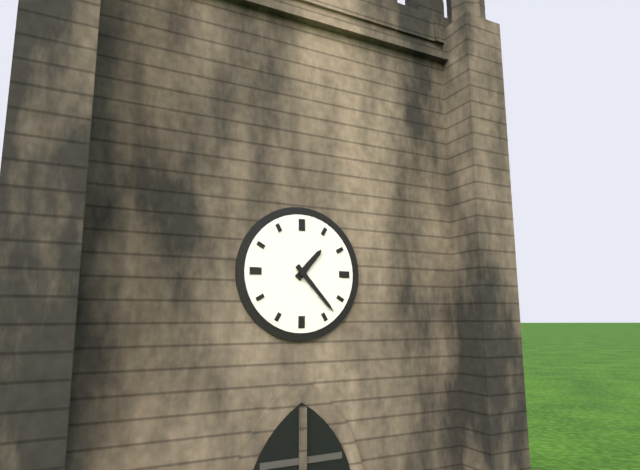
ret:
1:23
